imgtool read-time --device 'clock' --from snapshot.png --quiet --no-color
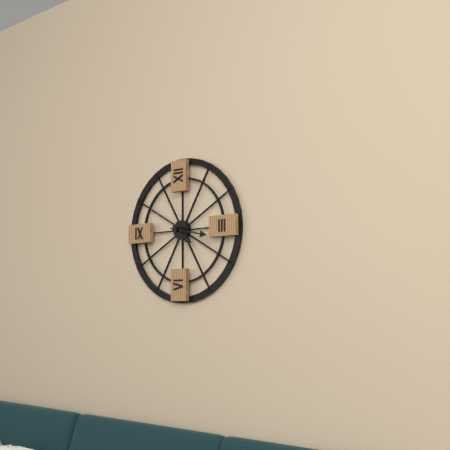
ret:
4:17
